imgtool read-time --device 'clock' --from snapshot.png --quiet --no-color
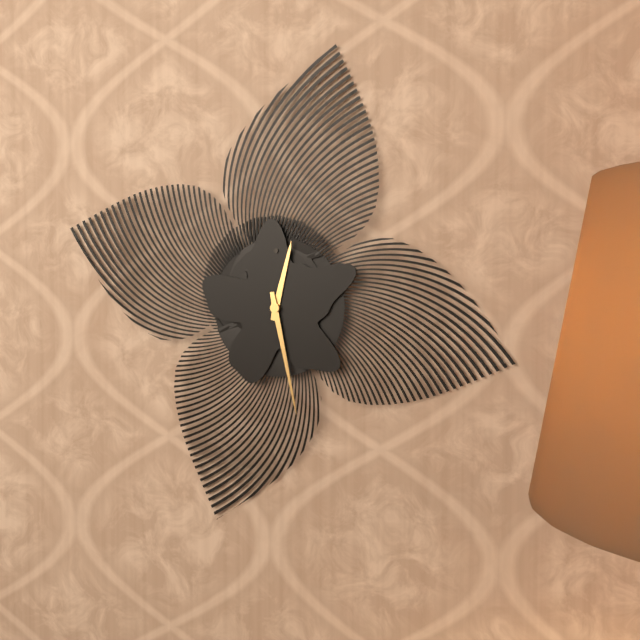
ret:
12:28
